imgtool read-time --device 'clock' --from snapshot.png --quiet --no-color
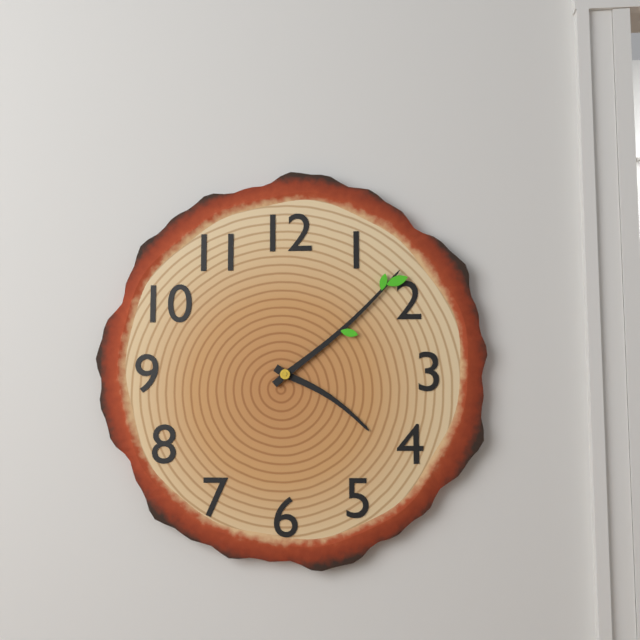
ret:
4:08
